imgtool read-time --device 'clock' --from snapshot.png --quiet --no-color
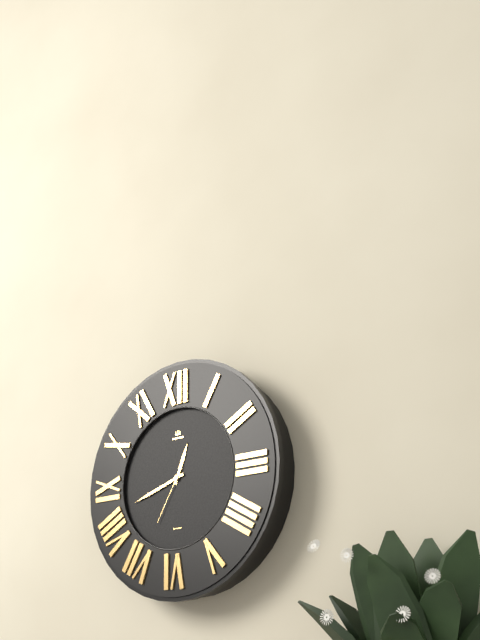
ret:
12:42:35
